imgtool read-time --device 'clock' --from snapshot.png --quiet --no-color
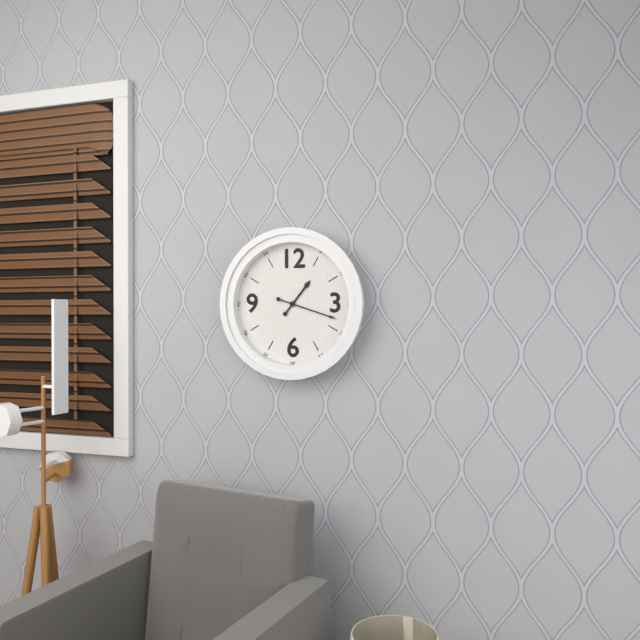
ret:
1:18
